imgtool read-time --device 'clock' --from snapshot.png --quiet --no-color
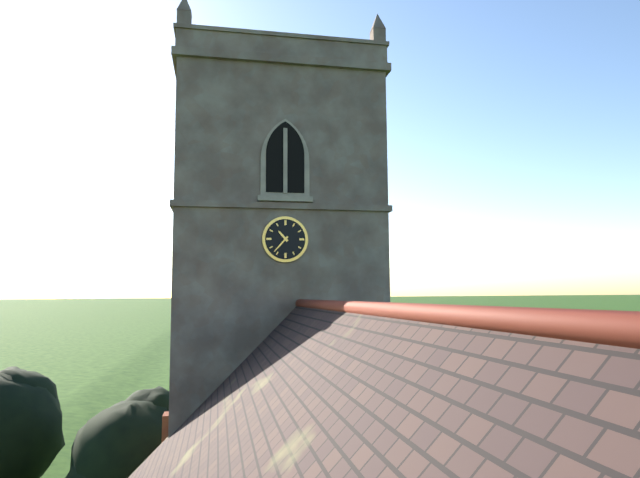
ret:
10:37
